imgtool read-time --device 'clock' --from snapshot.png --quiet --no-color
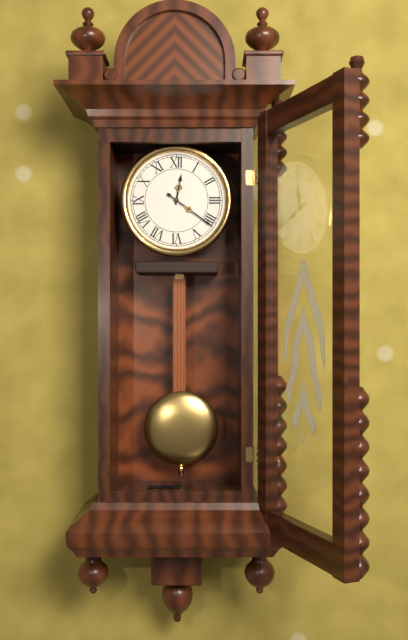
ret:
12:21
